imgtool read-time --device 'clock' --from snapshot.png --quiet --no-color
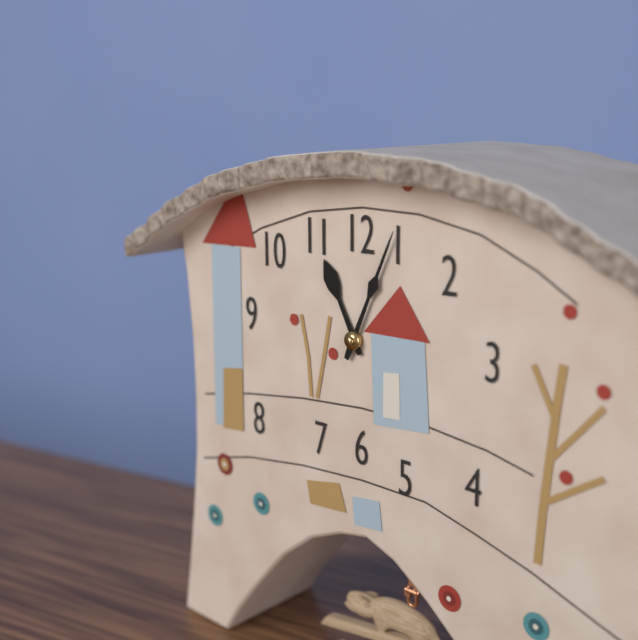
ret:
11:04
